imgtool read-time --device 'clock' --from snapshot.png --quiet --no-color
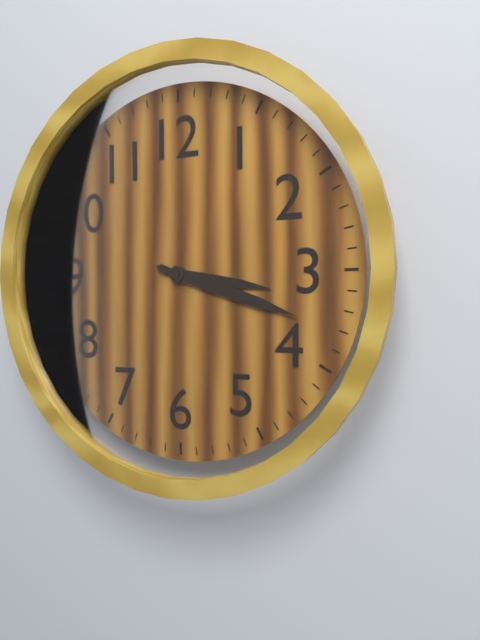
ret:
3:18
